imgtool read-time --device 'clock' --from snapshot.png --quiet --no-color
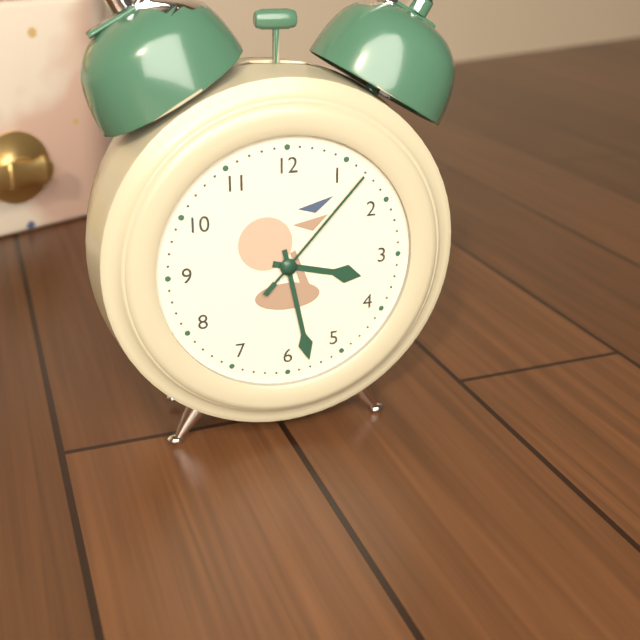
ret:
3:28:07
